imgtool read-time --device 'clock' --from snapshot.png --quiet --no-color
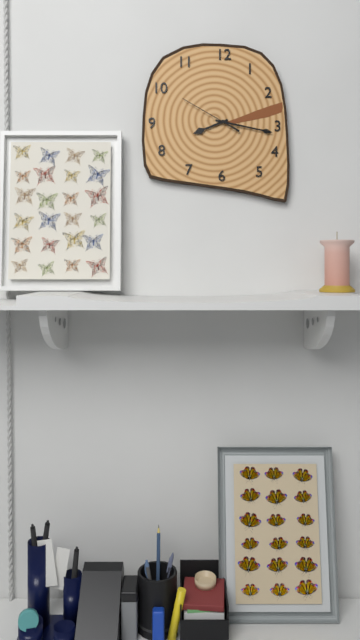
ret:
8:17:50
